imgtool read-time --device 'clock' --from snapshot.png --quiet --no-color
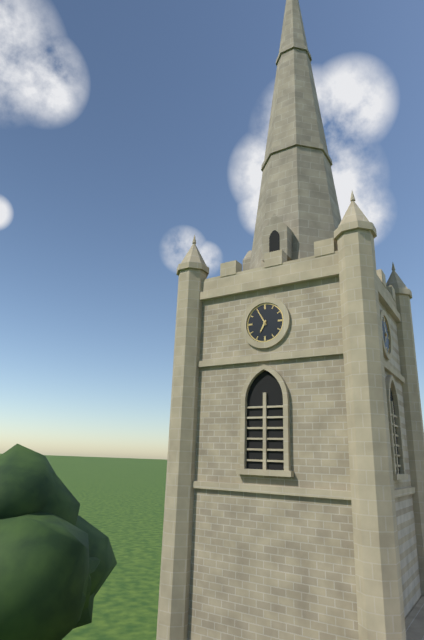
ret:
6:55
